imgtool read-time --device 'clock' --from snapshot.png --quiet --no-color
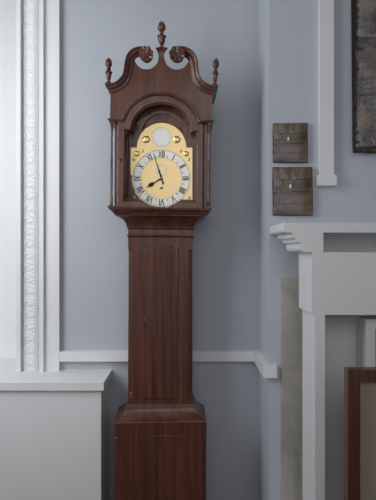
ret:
7:57
